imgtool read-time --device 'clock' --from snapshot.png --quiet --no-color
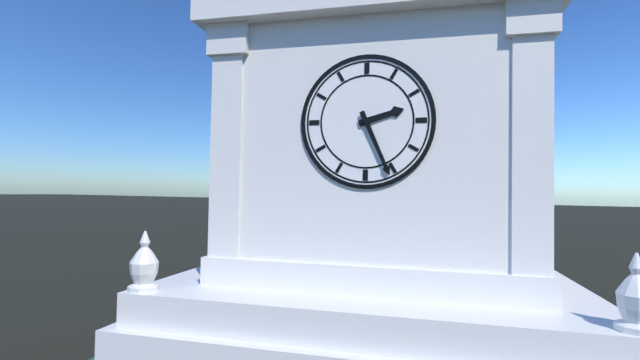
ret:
2:26
